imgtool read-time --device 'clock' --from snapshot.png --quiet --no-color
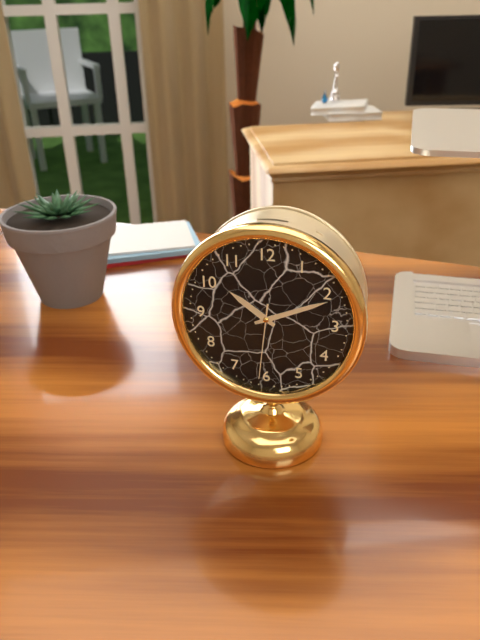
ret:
10:11:31
